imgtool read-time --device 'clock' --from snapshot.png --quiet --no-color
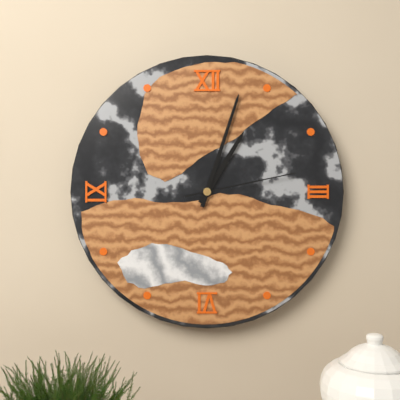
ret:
1:03:13
